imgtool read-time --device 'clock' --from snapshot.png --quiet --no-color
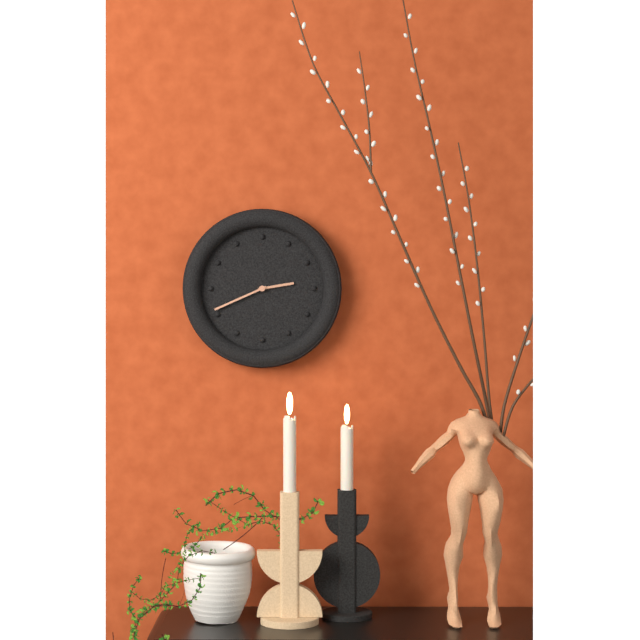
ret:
2:41
